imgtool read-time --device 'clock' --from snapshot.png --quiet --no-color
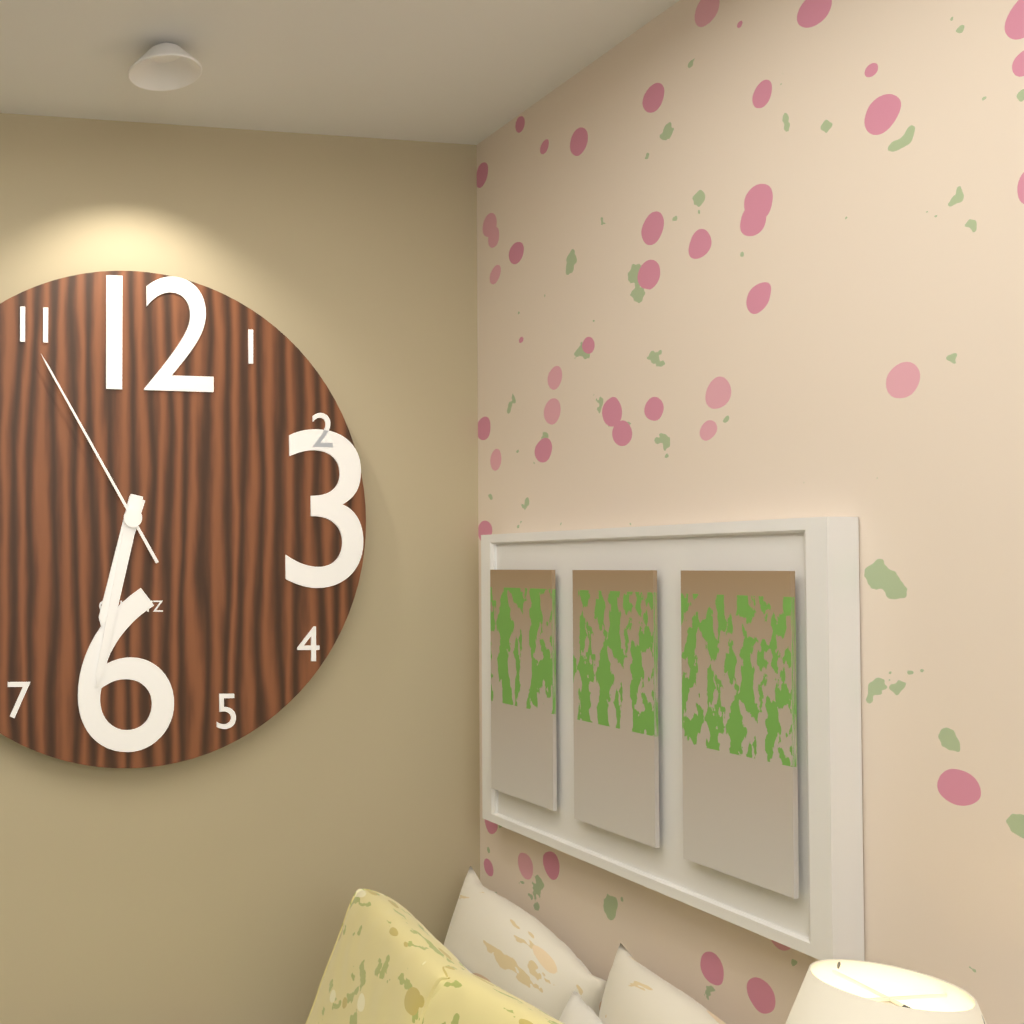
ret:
6:32:55
